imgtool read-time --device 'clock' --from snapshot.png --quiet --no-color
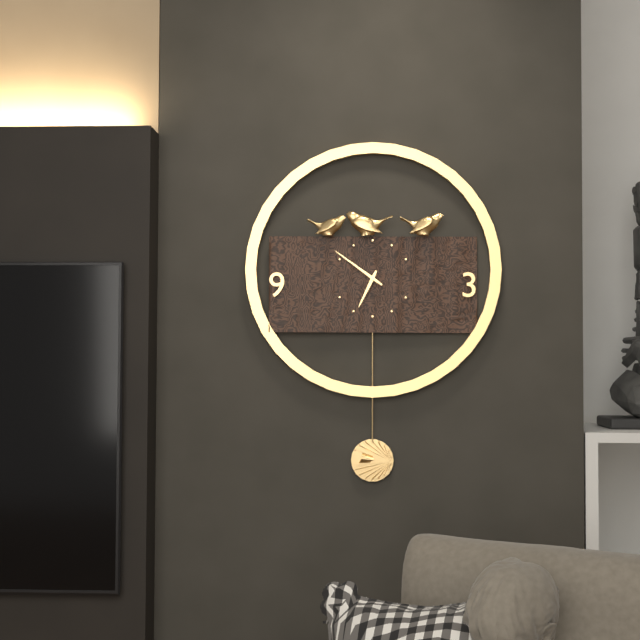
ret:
6:51
